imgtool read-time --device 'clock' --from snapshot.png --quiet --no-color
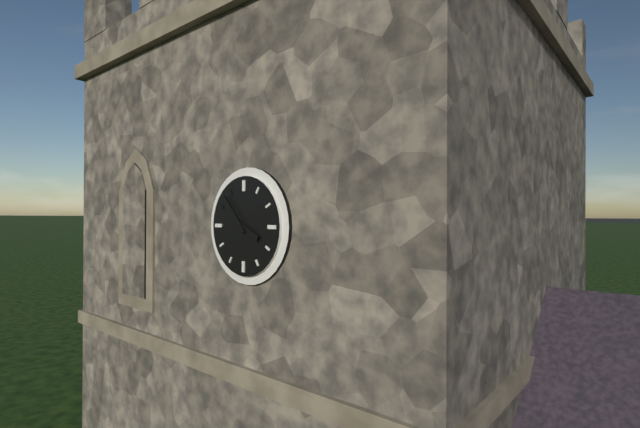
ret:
3:53
